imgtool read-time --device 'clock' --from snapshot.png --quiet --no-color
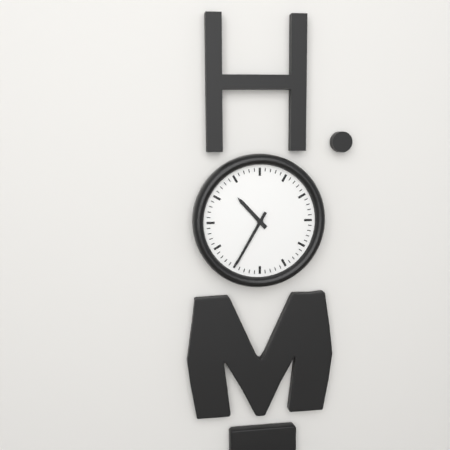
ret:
10:35
